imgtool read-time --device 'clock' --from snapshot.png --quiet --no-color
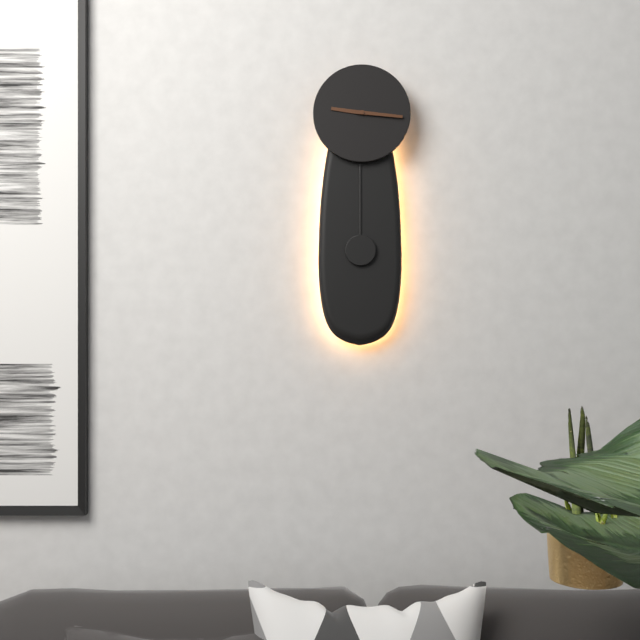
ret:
9:16
